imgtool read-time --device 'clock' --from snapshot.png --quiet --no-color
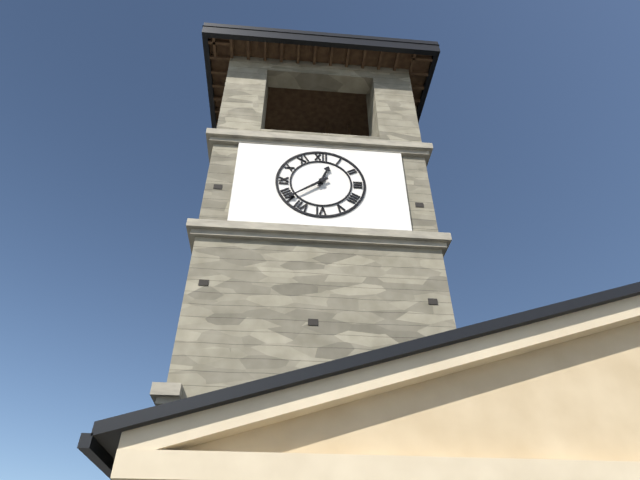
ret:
12:39
